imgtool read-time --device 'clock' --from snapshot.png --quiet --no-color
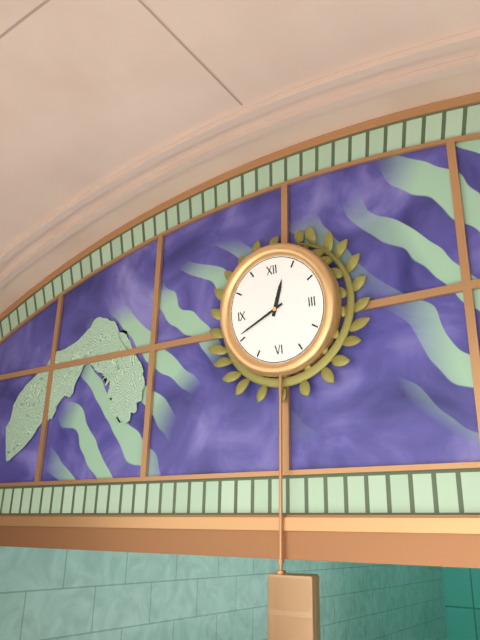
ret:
12:41
